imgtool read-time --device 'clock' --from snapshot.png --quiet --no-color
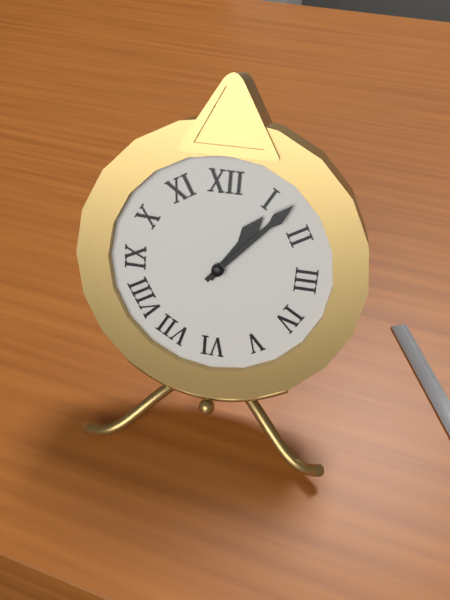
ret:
1:07
